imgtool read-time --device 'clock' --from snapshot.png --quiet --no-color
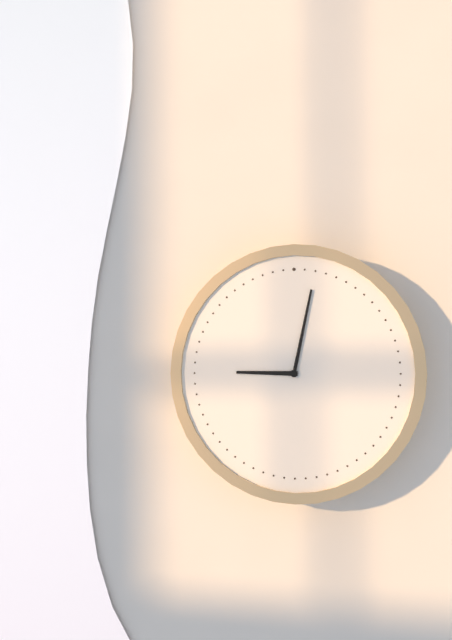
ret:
9:02
